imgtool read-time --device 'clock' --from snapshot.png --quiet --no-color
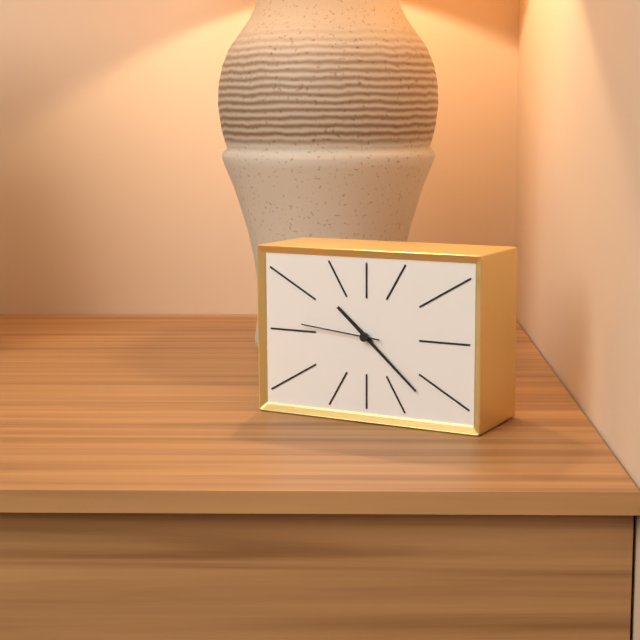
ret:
10:22:46
